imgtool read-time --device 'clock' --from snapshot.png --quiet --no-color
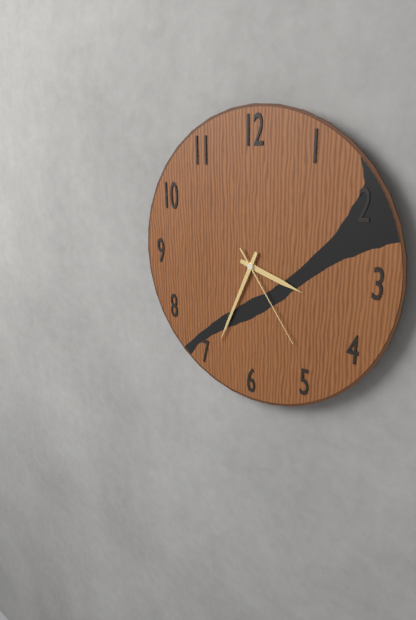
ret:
3:34:24
